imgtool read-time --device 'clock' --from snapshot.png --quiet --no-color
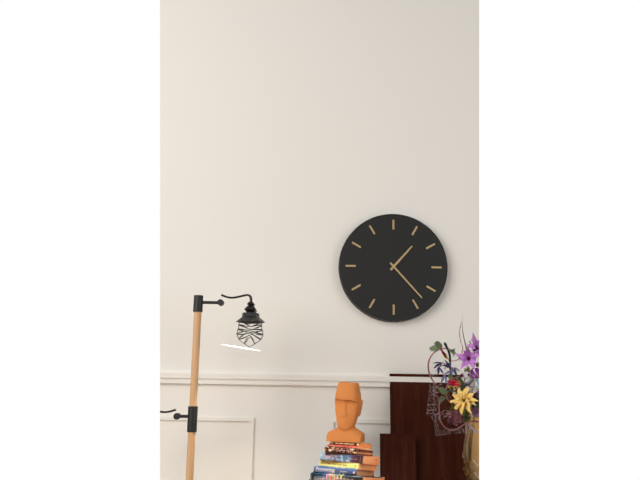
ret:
1:23
